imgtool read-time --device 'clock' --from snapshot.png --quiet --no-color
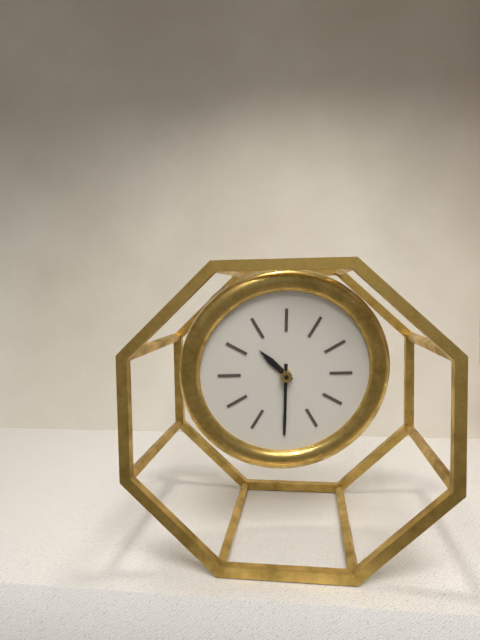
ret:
10:30
